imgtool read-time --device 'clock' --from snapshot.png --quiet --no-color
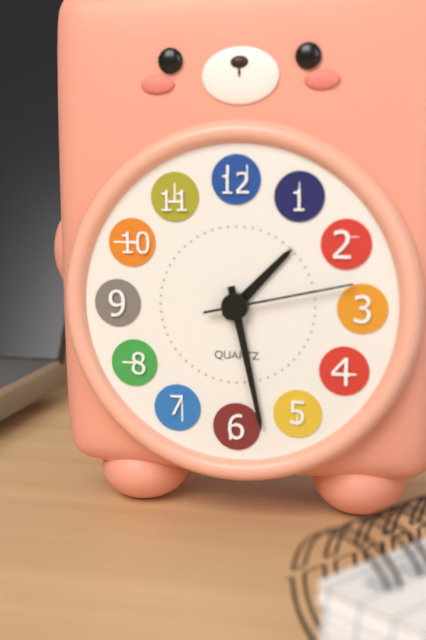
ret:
1:28:13
